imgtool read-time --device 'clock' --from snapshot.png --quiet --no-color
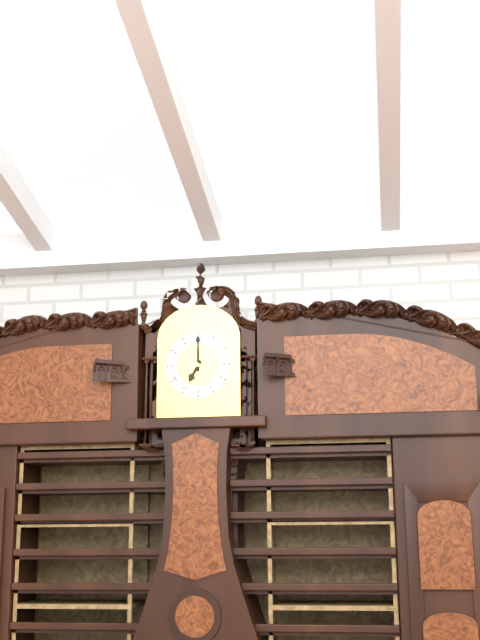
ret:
7:00
